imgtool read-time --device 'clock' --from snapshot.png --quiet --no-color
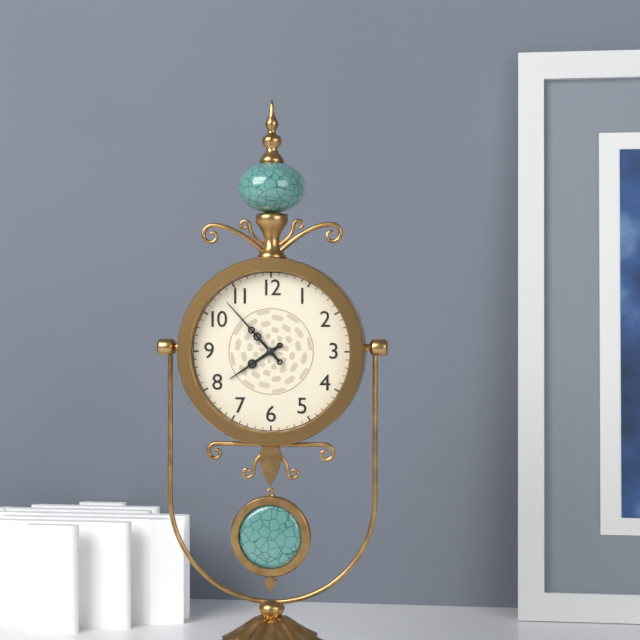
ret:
7:53
